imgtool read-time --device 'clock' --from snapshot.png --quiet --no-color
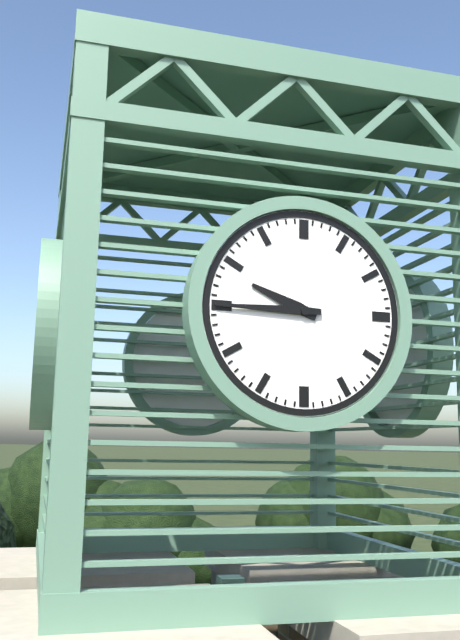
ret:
9:45
